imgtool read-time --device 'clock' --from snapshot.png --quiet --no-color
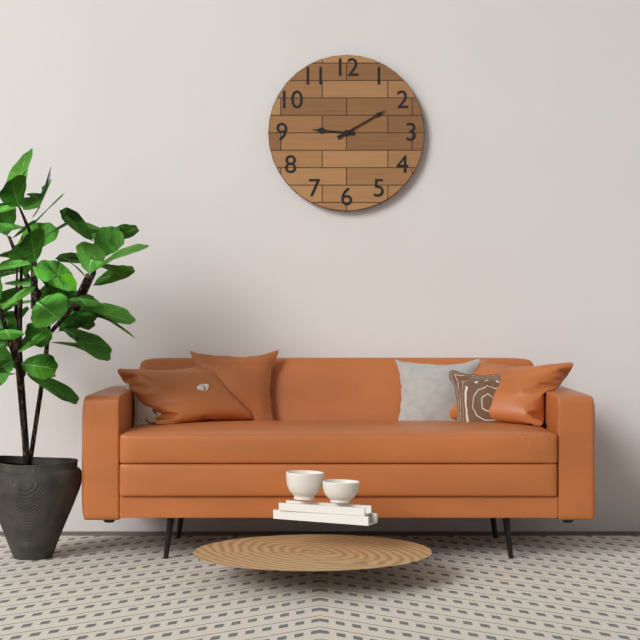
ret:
9:10
